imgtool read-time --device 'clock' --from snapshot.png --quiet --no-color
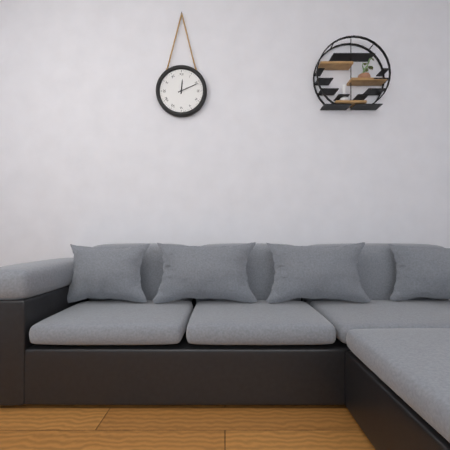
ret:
12:11
